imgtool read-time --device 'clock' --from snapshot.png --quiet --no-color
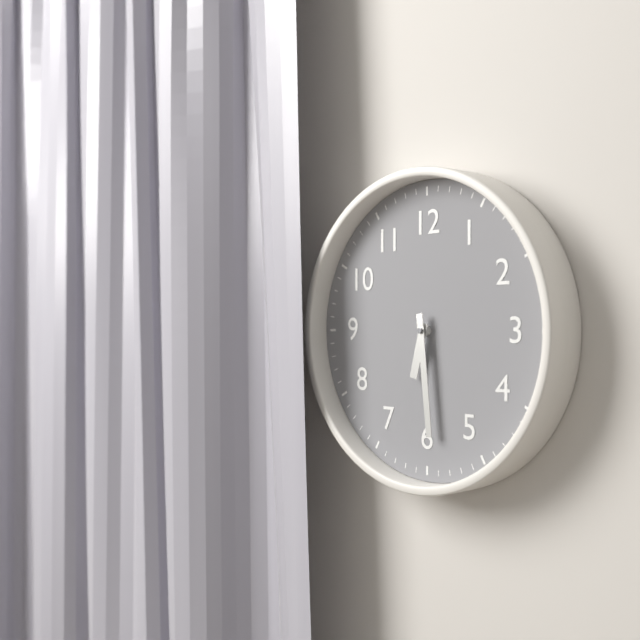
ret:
6:29
